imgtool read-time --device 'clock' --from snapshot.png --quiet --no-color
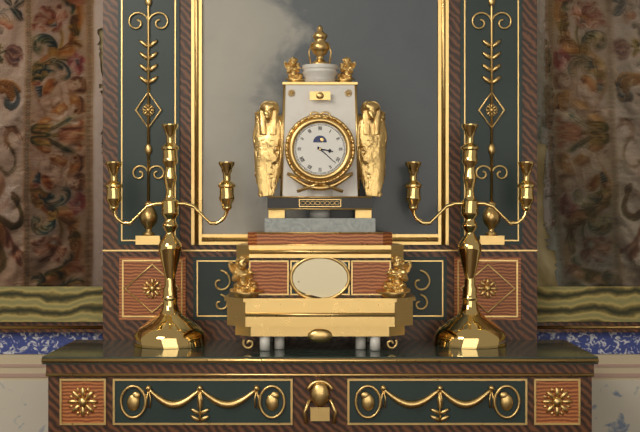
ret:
3:22
